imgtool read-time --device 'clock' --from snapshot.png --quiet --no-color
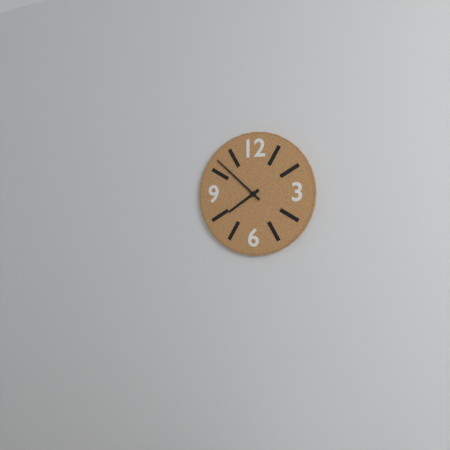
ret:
7:52
